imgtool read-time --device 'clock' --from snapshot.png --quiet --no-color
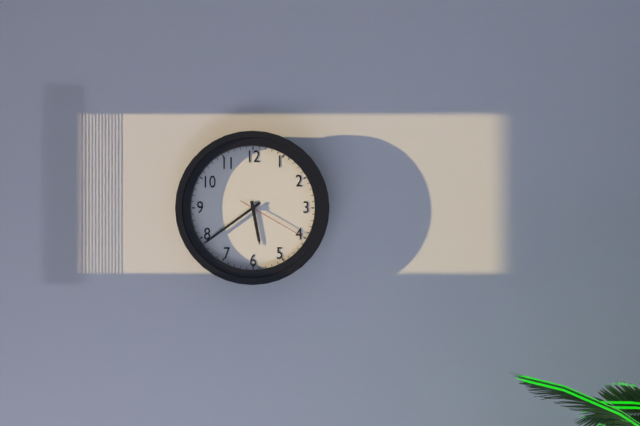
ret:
5:39:20
